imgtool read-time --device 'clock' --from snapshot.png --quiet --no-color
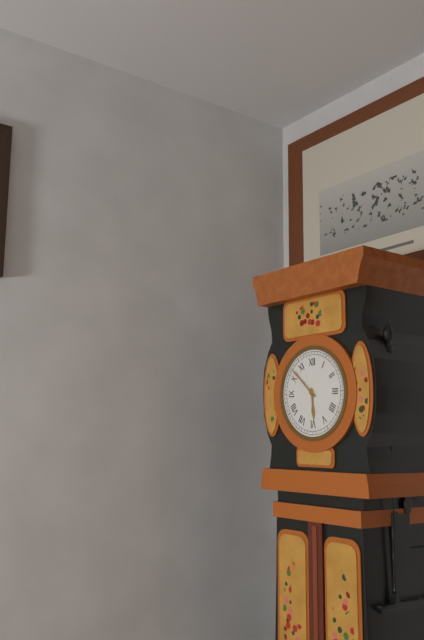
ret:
5:52
